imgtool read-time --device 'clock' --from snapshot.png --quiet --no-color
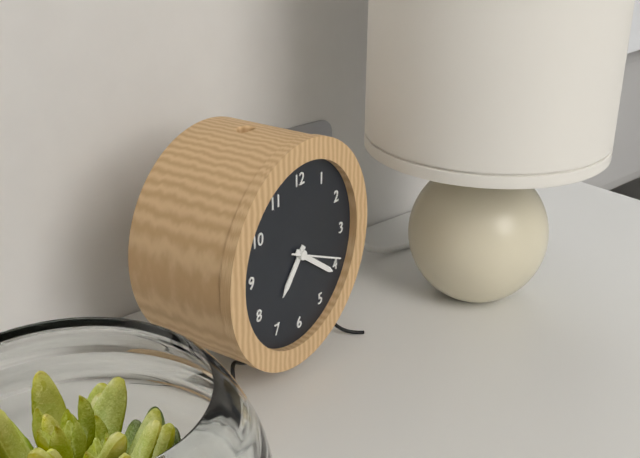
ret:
7:21
